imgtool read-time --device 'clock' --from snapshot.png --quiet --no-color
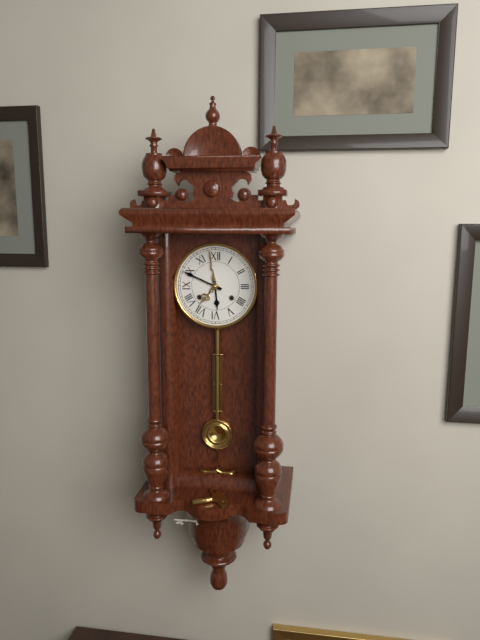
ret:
5:49
